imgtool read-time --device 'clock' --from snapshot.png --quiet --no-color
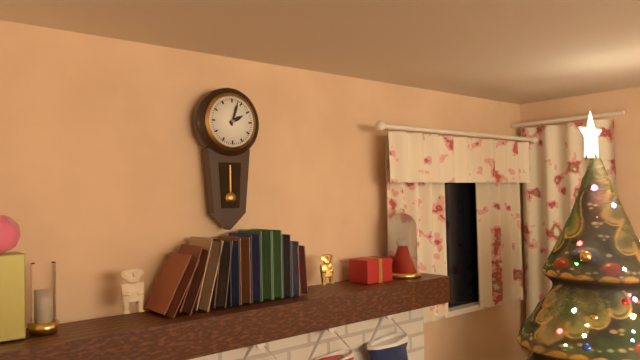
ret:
2:03
